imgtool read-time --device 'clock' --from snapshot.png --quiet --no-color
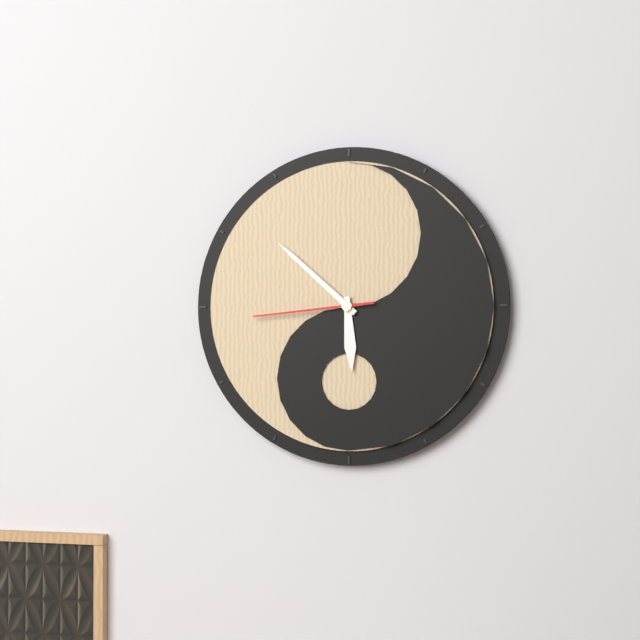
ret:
5:52:44
